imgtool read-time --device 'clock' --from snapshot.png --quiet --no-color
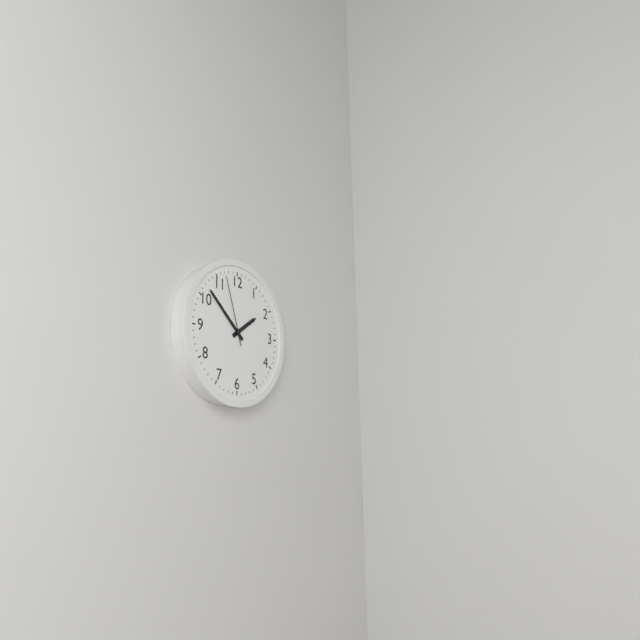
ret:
1:52:57
